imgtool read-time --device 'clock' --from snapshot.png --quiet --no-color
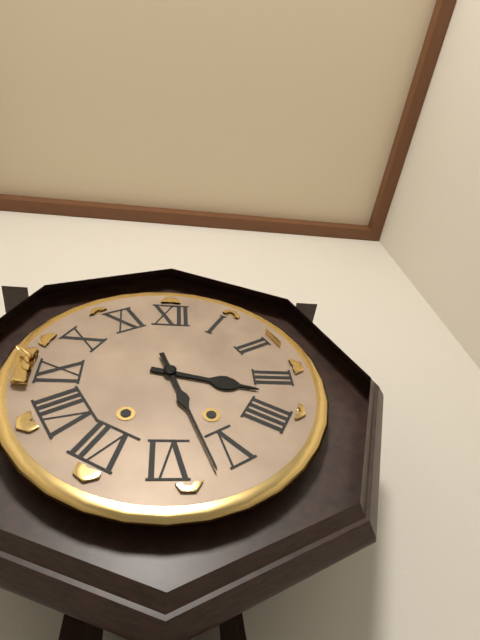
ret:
3:27
